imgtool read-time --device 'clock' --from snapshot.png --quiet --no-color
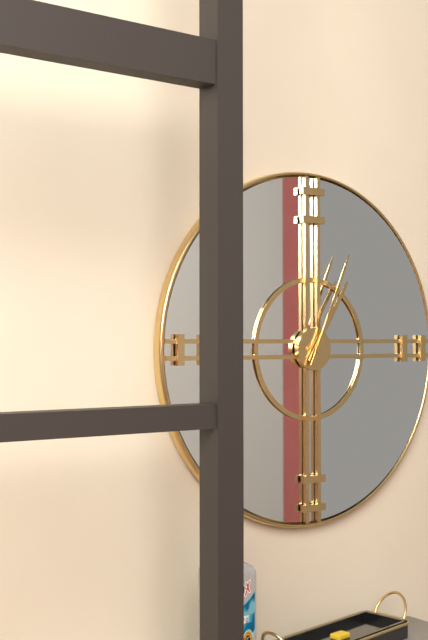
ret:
1:04
